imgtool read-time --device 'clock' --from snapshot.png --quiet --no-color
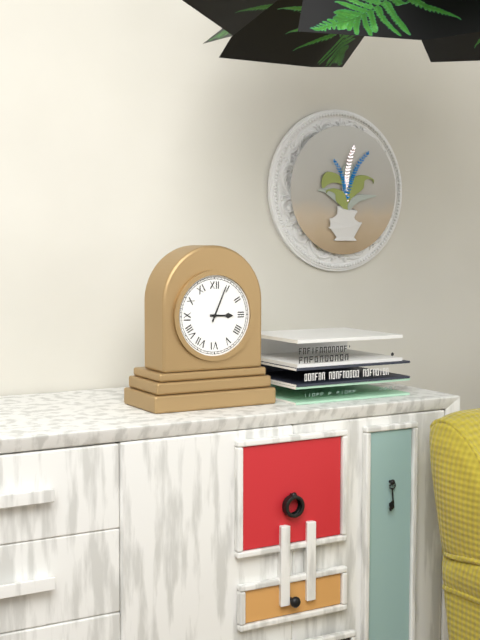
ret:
3:04
